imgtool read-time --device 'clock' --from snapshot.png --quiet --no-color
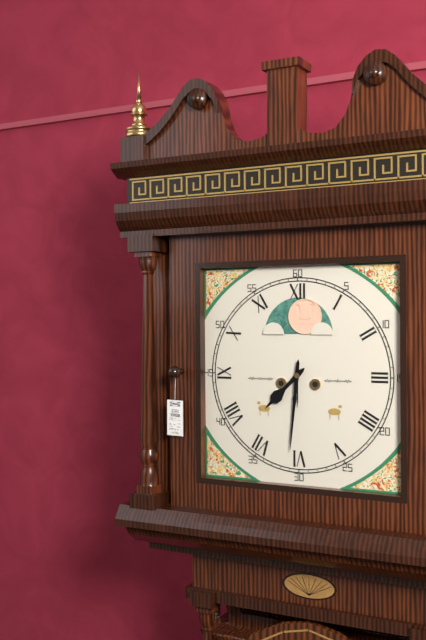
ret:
7:31
